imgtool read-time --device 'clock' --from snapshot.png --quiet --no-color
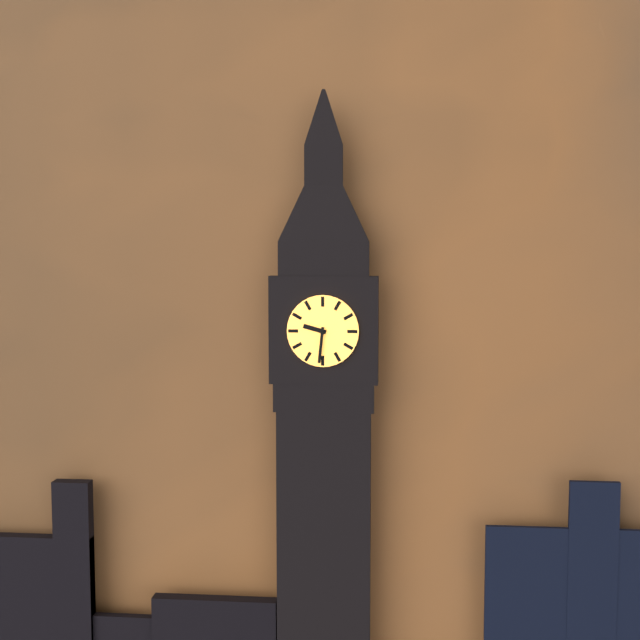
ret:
9:31
